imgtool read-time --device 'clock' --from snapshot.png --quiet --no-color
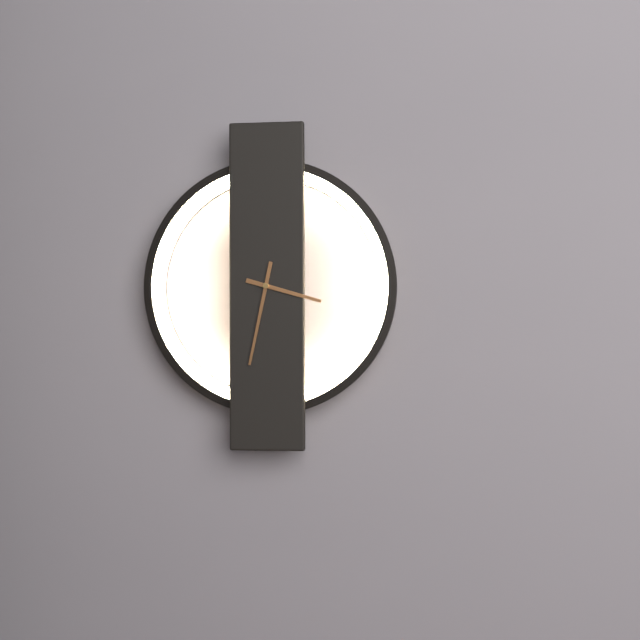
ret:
3:32
